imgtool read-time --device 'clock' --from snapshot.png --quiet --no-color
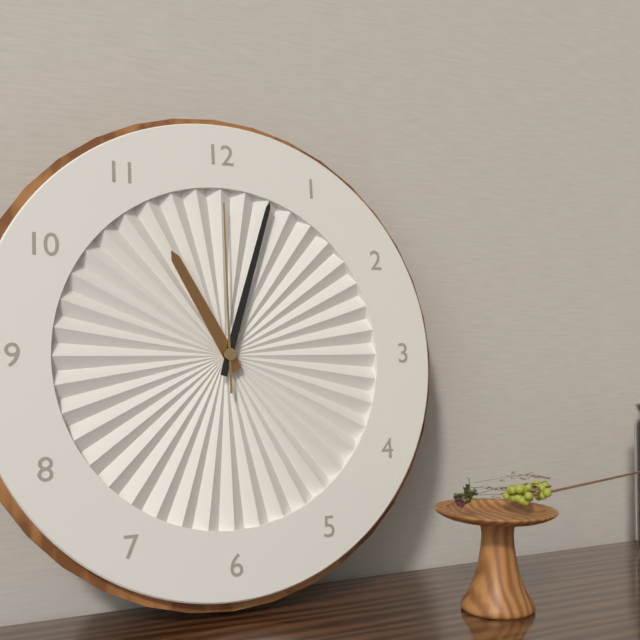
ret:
11:03:00
